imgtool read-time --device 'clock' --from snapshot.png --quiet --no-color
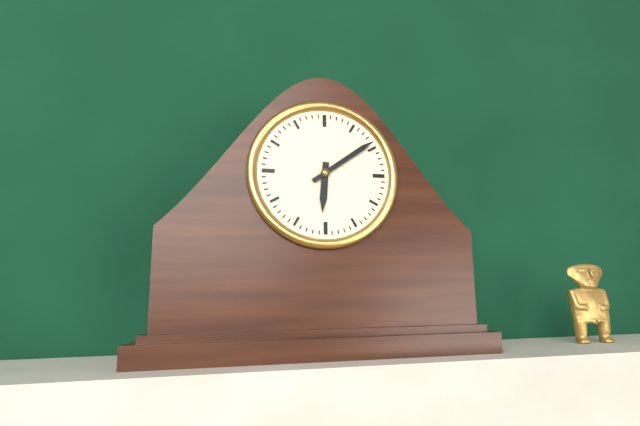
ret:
6:09
